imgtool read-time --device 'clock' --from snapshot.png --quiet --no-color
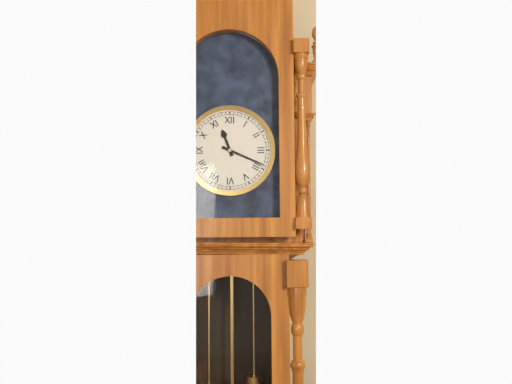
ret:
11:19
